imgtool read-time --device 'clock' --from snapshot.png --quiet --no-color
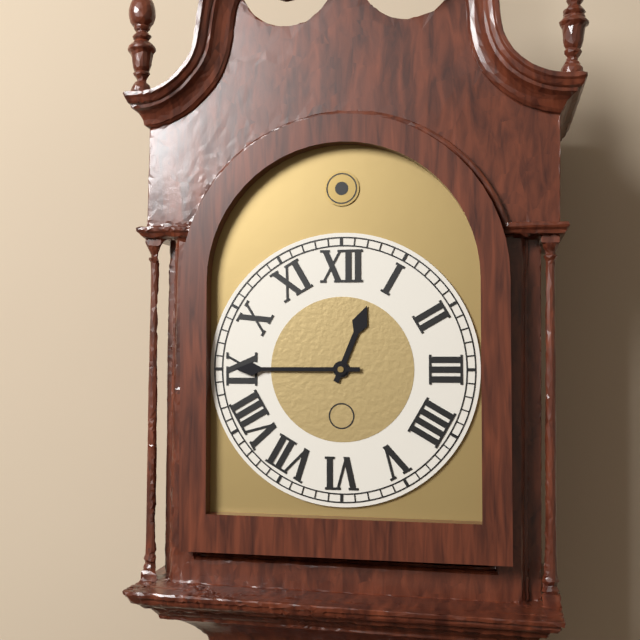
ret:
12:45
